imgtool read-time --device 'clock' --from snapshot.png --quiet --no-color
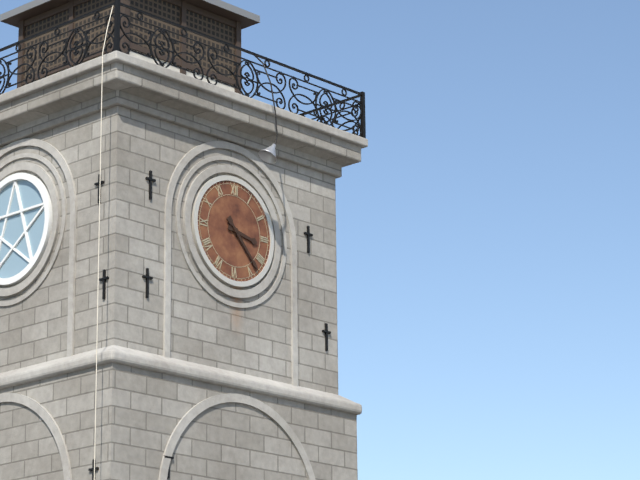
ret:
3:23
